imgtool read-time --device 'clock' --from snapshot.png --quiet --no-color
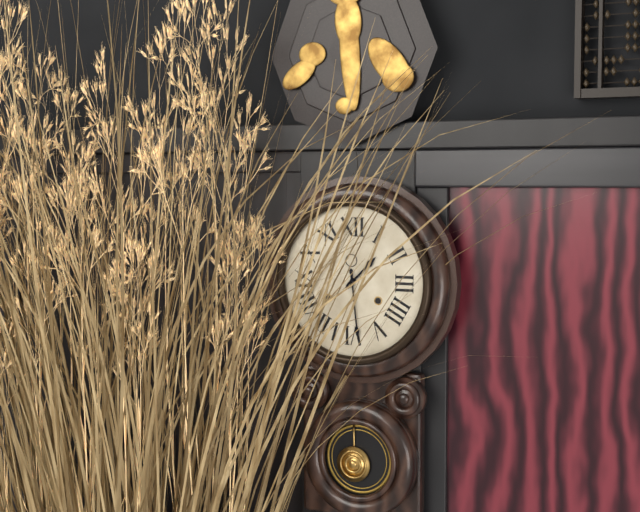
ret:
1:29
